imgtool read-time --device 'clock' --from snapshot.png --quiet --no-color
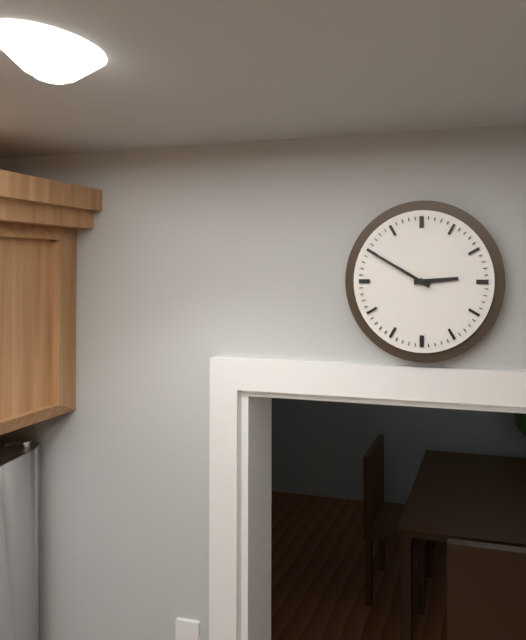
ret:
2:50
